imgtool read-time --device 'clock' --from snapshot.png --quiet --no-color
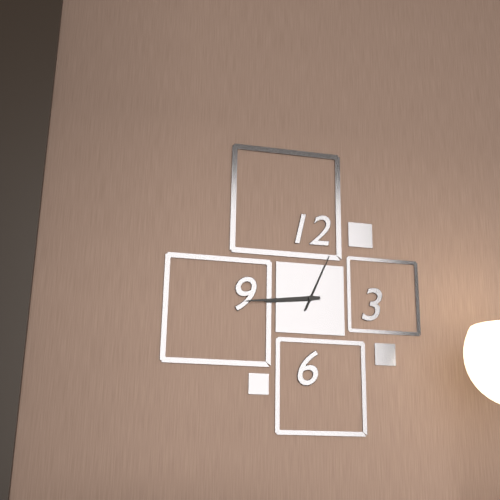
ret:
8:44:04
